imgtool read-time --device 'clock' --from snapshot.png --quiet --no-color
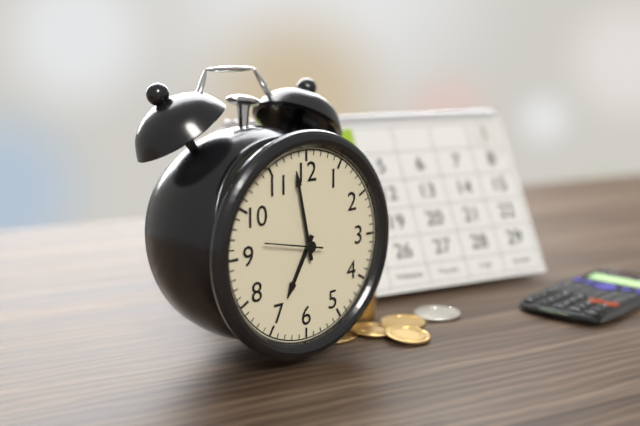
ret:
6:58:47
